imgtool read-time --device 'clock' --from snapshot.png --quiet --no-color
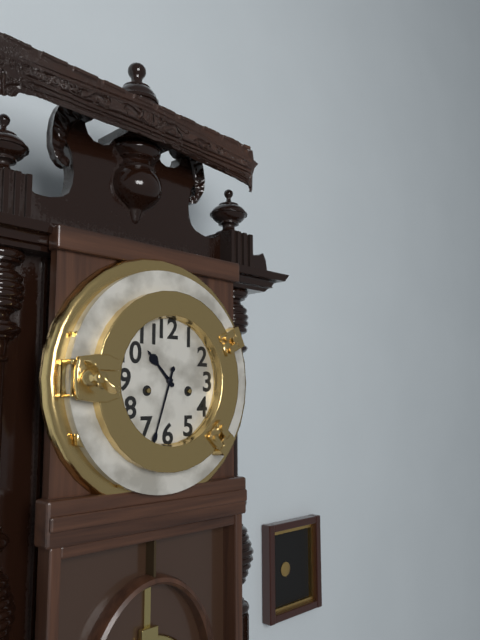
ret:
10:33
